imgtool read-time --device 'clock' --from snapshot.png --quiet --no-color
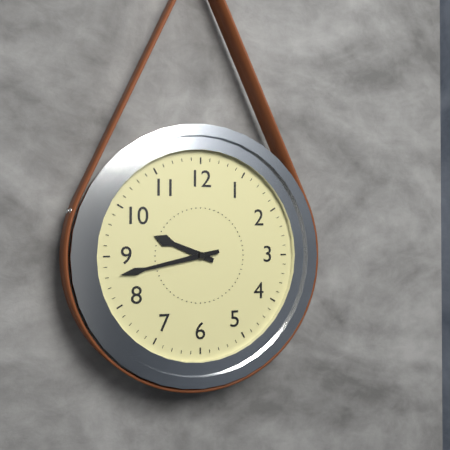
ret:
9:43
